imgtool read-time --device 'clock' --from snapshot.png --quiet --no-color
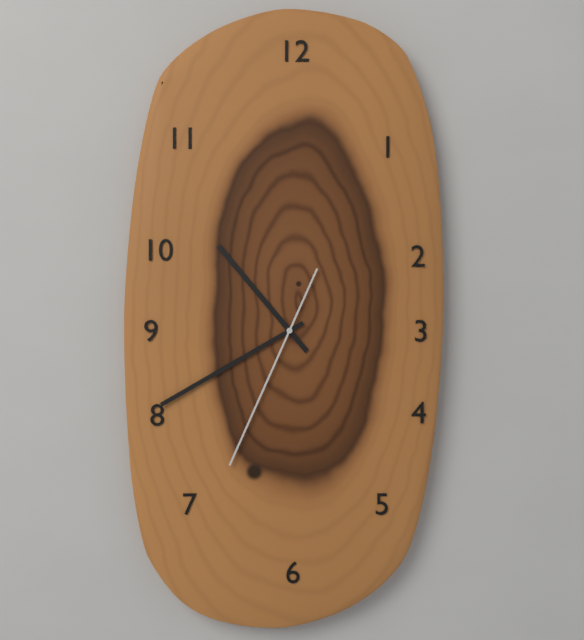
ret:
10:40:34
